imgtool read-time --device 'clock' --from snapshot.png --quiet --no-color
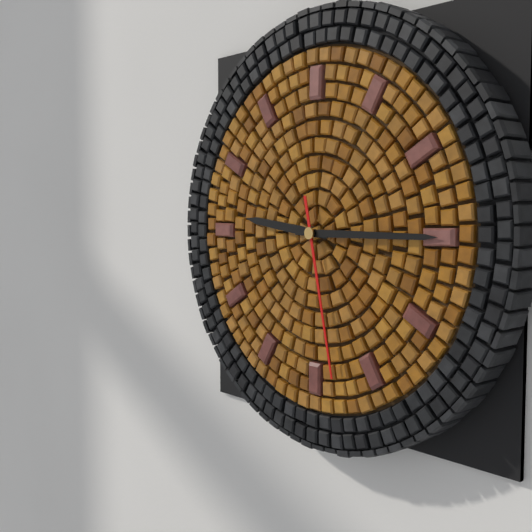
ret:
9:15:28
